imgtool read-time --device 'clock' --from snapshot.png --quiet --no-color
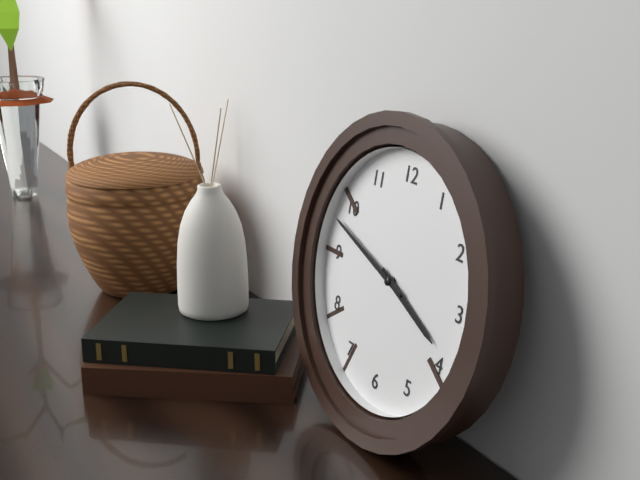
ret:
3:48
